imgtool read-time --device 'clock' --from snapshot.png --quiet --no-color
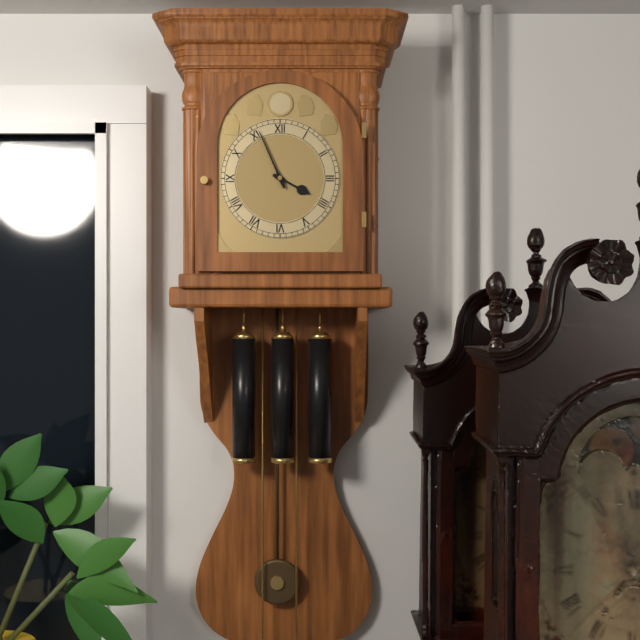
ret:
3:56
